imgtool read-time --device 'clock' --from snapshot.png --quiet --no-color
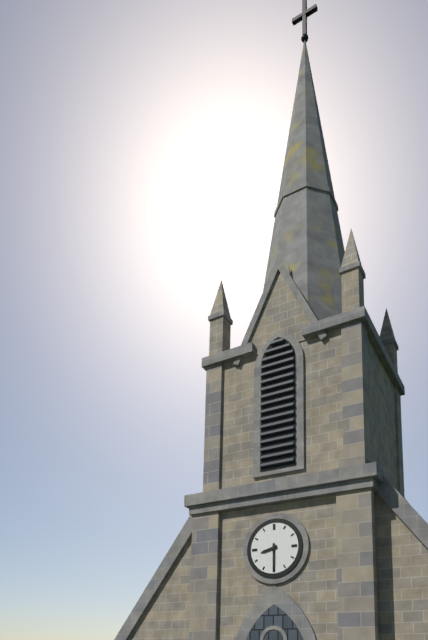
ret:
8:30
